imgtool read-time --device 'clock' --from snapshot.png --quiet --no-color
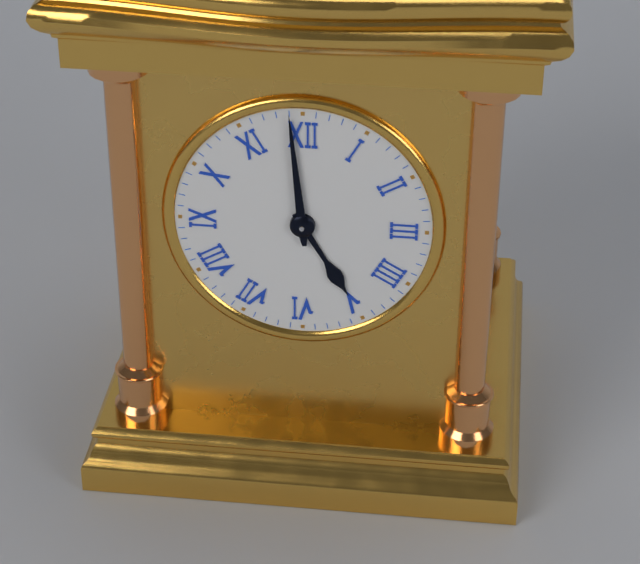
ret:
4:59
